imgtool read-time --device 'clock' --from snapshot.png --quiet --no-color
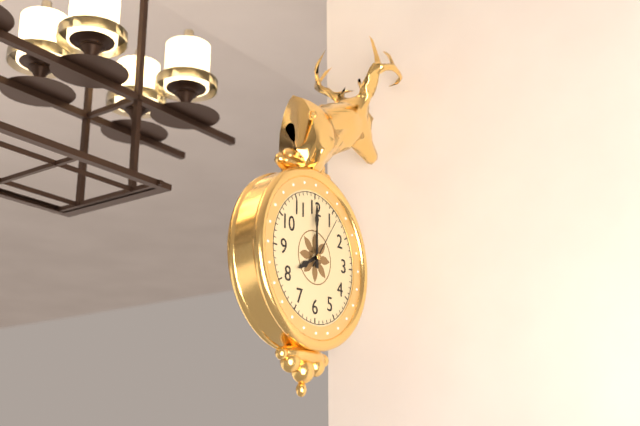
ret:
8:00:06
